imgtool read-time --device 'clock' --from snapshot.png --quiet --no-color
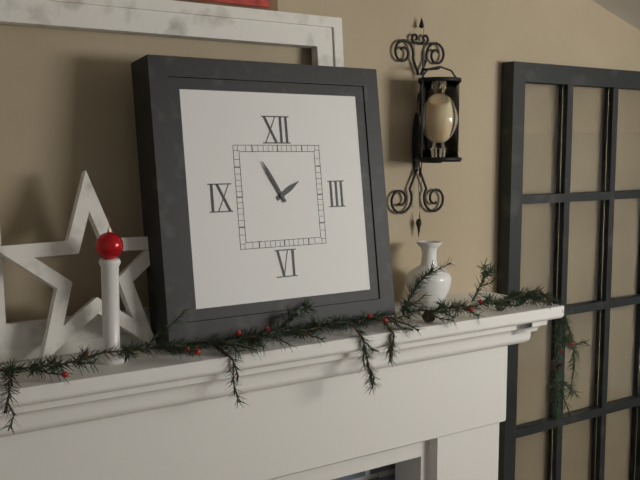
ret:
1:55
